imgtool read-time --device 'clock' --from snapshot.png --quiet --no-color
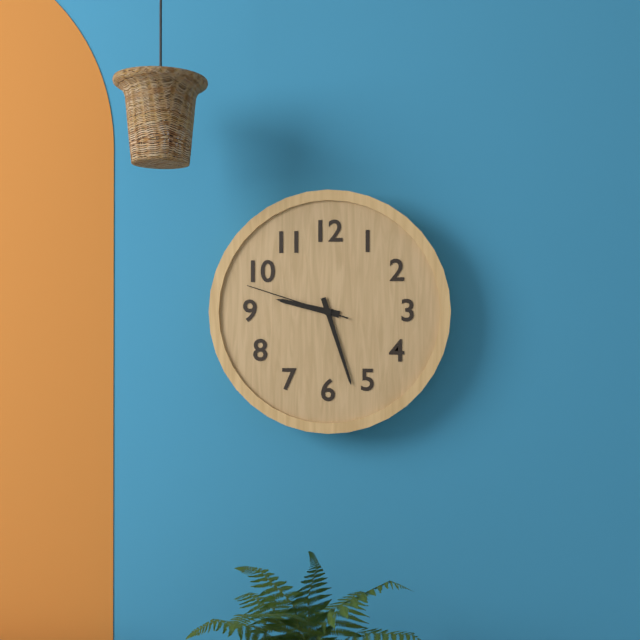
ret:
9:27:48
